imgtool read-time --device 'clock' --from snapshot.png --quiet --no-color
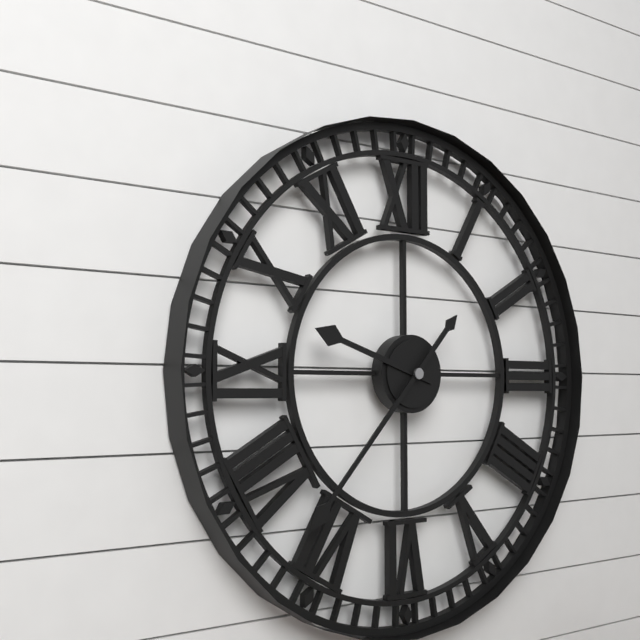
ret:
9:37
